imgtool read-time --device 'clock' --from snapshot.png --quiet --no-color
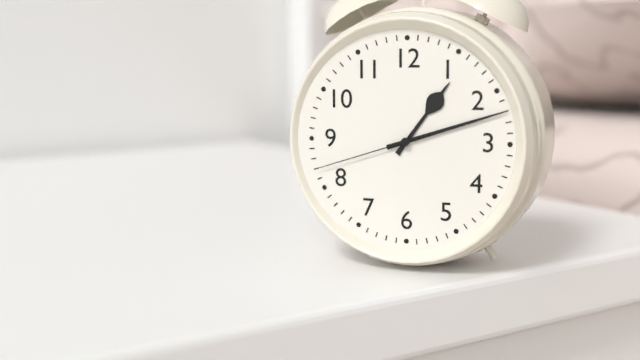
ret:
1:12:42
